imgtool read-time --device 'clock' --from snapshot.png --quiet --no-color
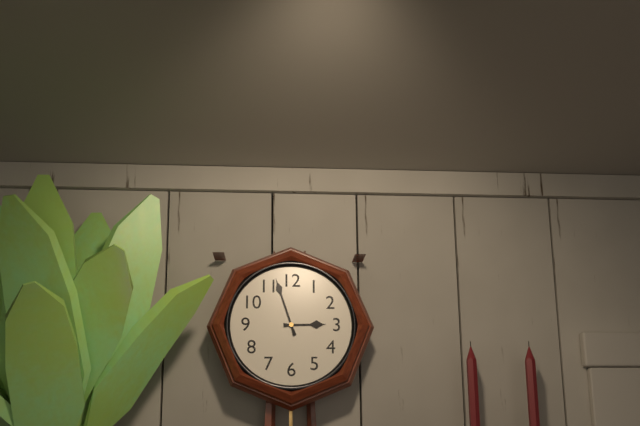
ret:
2:57
